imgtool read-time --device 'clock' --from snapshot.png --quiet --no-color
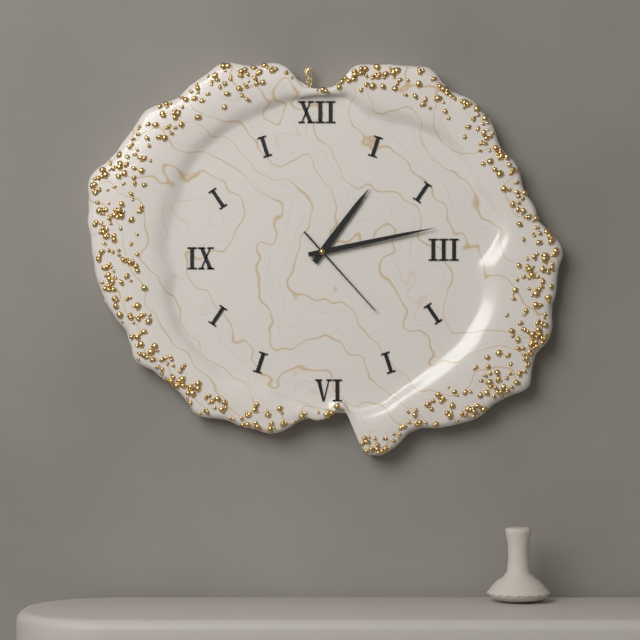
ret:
1:13:23
